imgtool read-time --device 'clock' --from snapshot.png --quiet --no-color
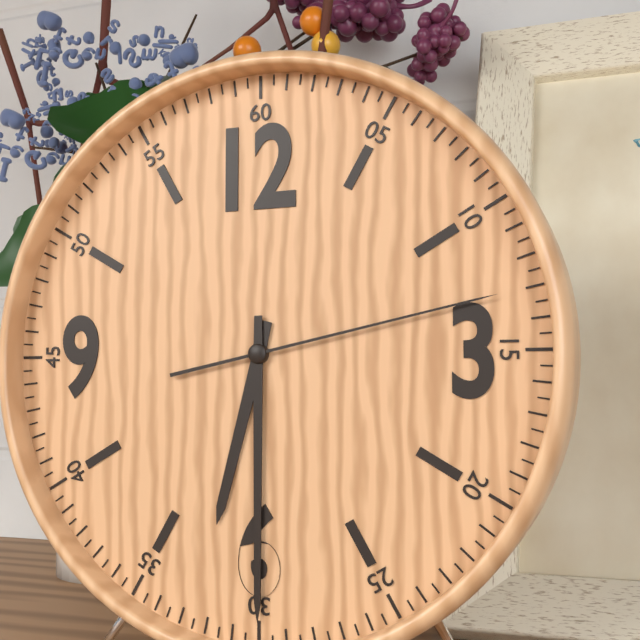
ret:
6:30:13
